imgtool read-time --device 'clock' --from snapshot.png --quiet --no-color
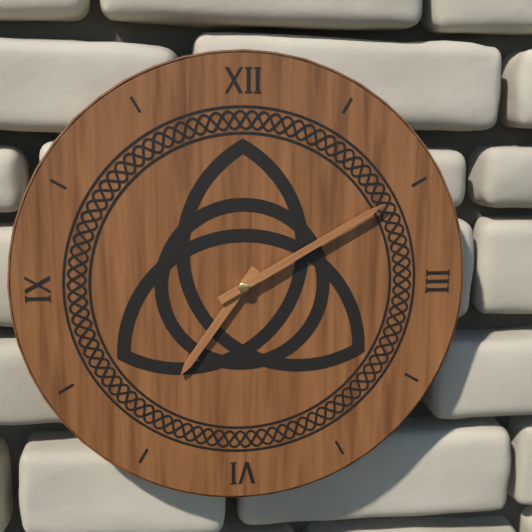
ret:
7:10
